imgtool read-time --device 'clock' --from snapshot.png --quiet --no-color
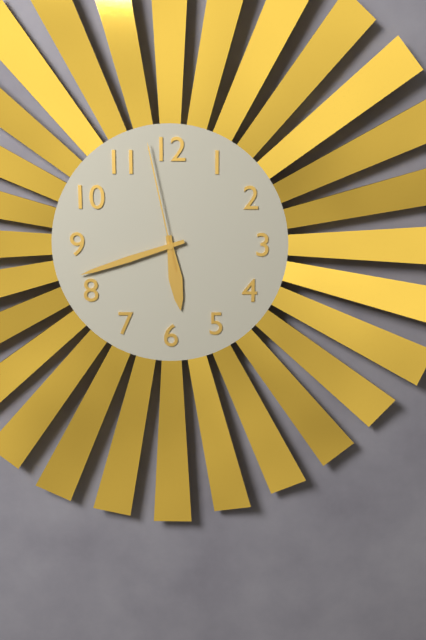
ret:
5:42:58
